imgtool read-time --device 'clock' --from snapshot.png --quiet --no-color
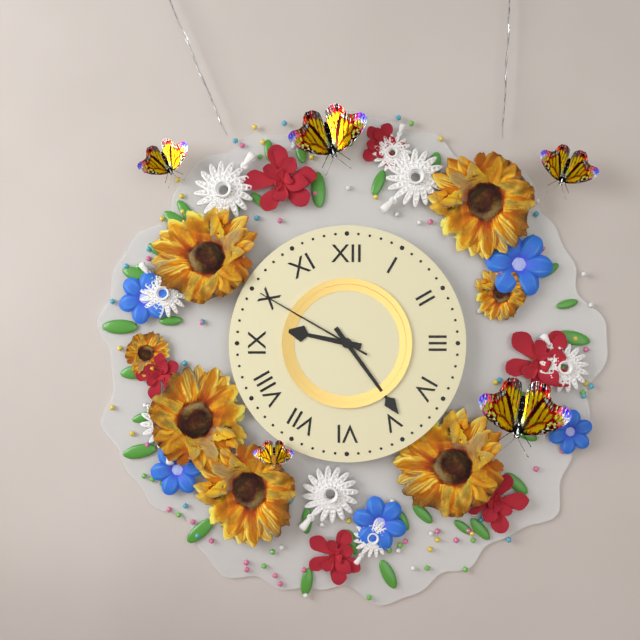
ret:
9:24:50
